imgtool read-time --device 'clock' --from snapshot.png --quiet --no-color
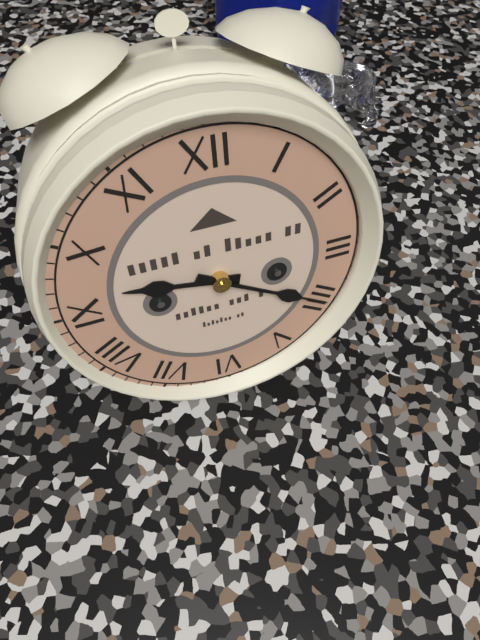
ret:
9:20
